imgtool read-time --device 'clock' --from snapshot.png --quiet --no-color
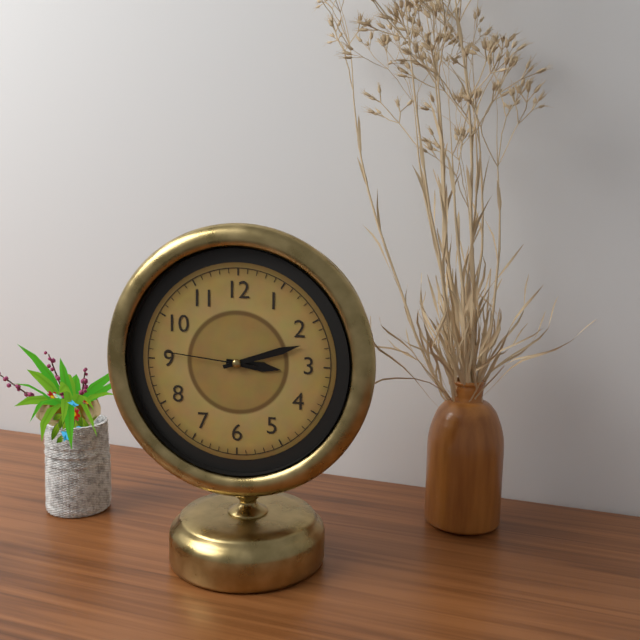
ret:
3:12:46
